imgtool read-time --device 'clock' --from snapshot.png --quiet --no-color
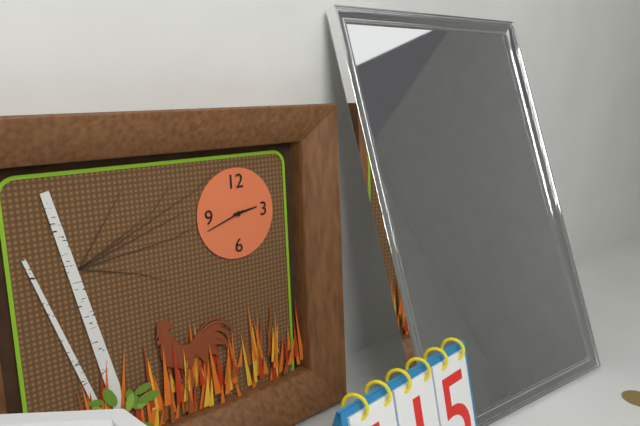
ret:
2:42
